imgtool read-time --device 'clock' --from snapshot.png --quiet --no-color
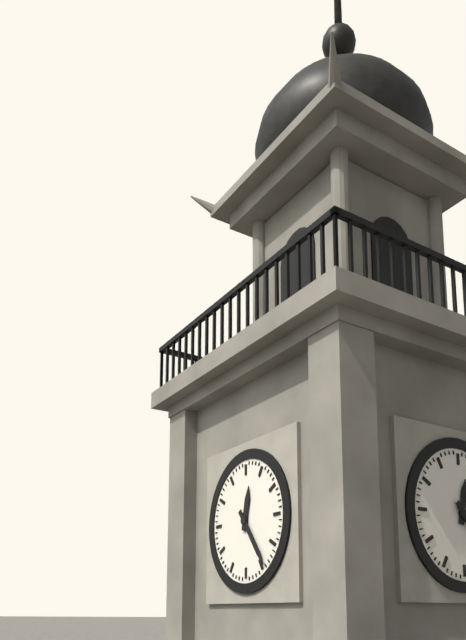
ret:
12:24
